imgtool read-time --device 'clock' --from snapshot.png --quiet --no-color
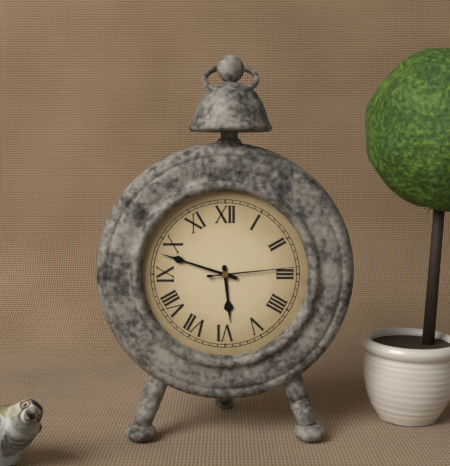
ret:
5:48:14
